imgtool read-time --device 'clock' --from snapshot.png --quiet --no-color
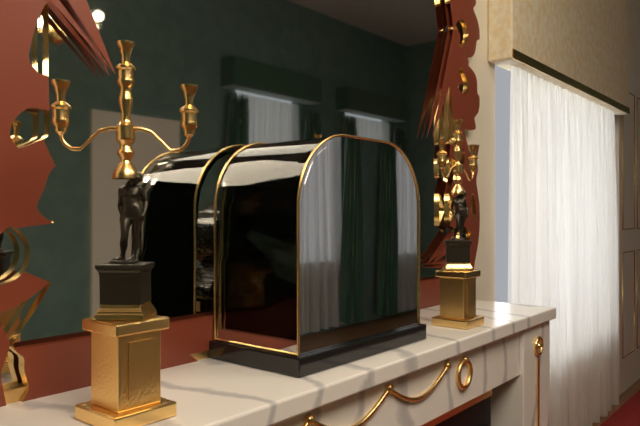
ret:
9:00
